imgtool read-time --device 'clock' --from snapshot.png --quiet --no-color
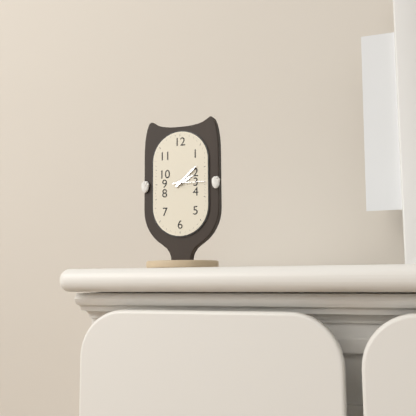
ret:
2:08
